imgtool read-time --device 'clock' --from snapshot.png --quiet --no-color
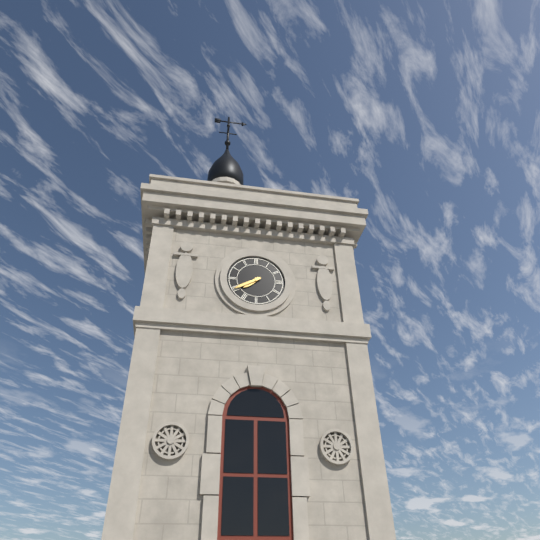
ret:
7:40
